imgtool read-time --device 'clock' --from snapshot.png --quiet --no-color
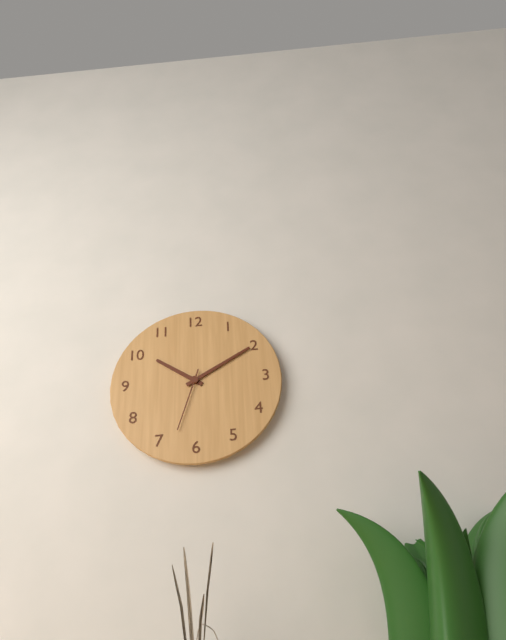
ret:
10:10:33
